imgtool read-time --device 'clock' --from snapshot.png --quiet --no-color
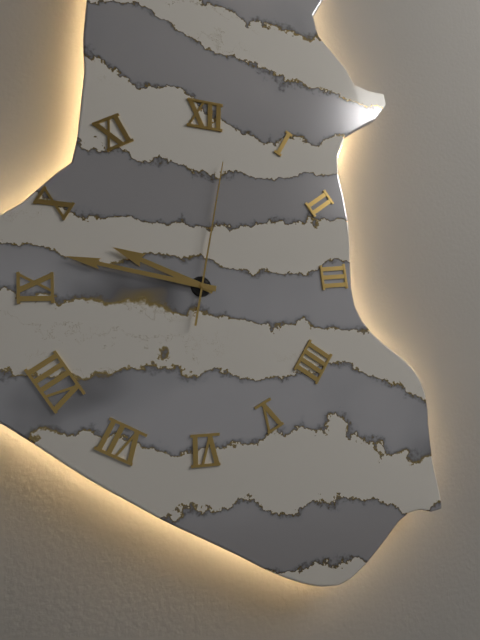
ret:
9:47:02
